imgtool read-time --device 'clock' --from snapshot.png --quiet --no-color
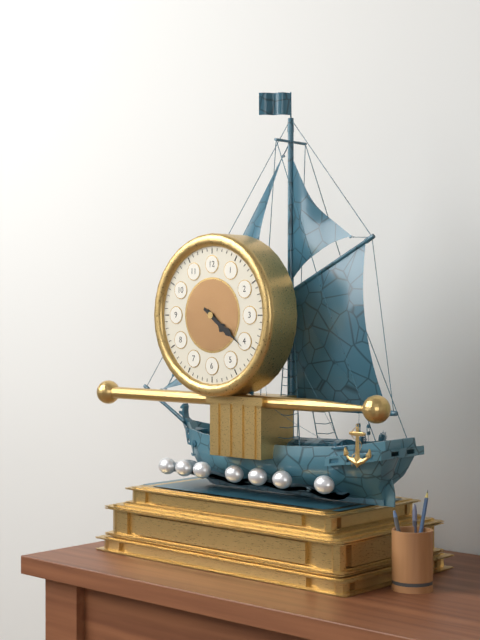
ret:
4:21
